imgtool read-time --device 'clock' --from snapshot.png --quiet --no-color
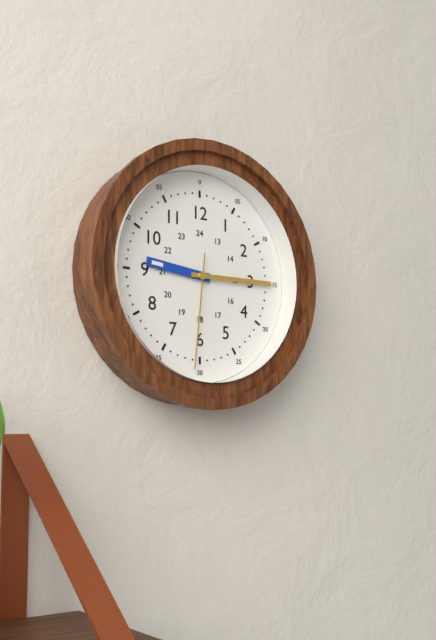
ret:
9:15:31
